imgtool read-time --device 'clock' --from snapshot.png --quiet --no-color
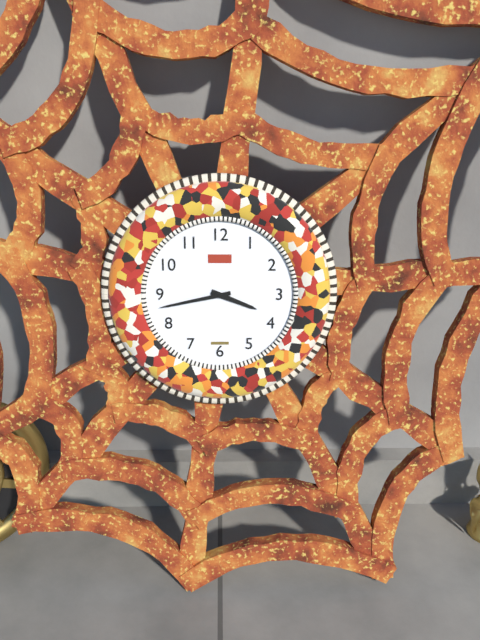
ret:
3:43
